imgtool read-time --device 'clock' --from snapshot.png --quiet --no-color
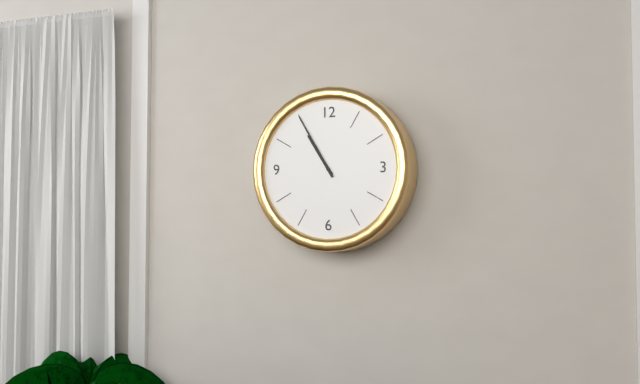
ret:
10:55
